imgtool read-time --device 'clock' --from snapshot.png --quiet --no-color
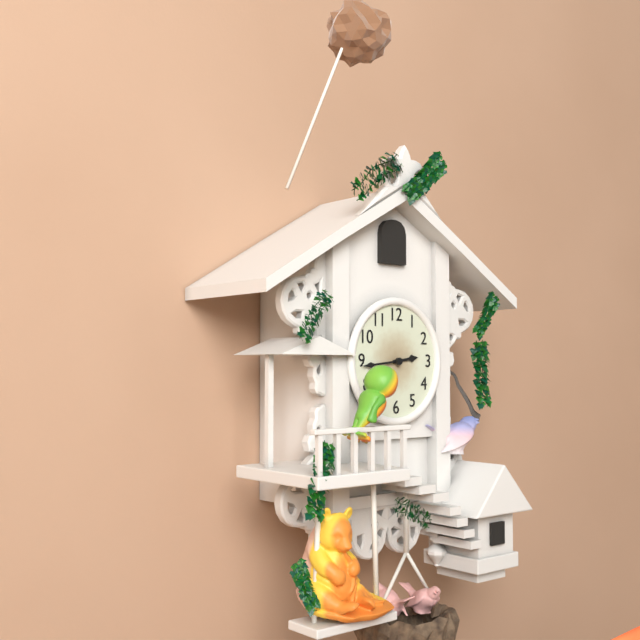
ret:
2:44
